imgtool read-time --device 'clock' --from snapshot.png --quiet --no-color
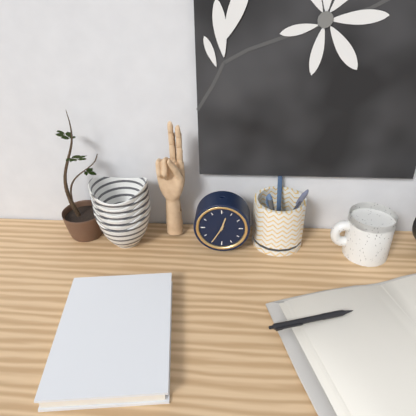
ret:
12:35
